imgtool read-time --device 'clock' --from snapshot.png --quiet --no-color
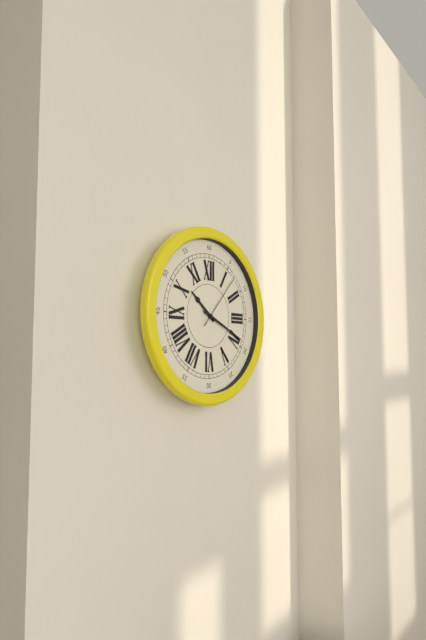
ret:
10:19:07
